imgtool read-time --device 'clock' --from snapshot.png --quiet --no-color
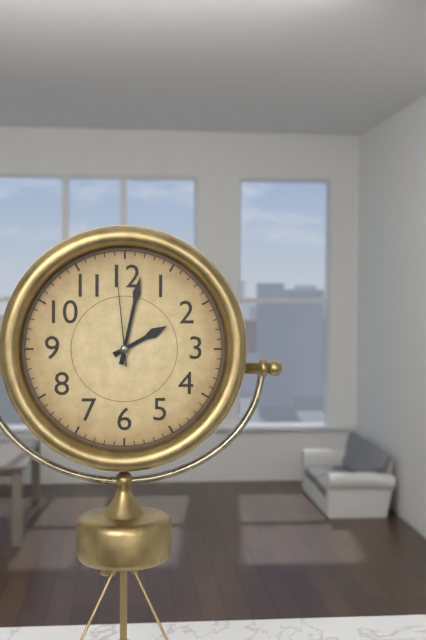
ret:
2:02:59
